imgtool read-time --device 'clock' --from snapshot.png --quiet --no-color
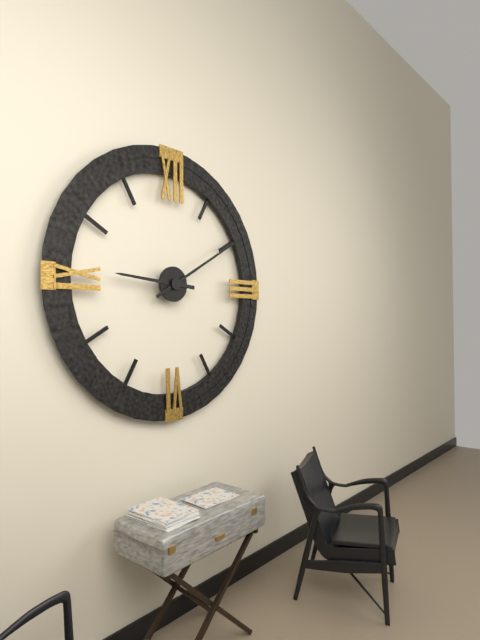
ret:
9:10
